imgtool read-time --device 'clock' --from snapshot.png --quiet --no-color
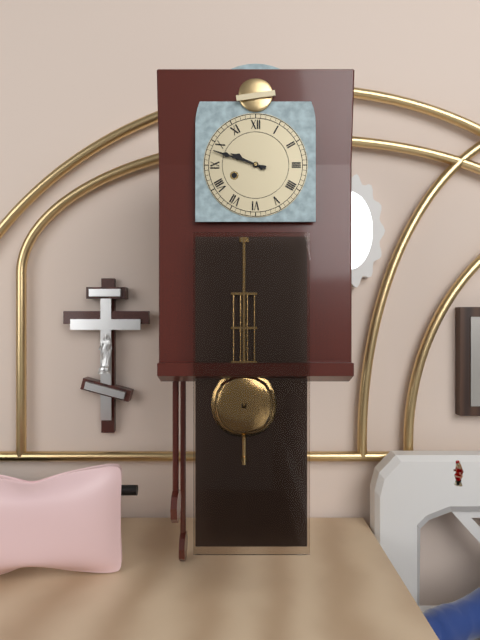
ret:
9:48
